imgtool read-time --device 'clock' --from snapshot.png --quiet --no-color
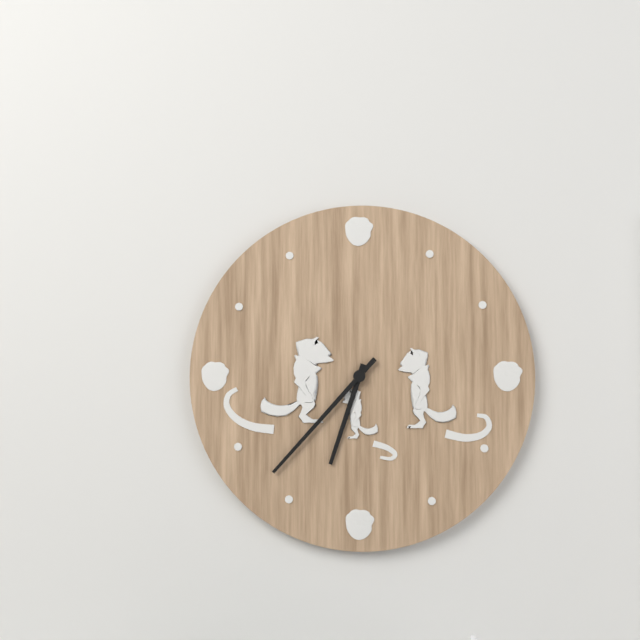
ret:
6:37
